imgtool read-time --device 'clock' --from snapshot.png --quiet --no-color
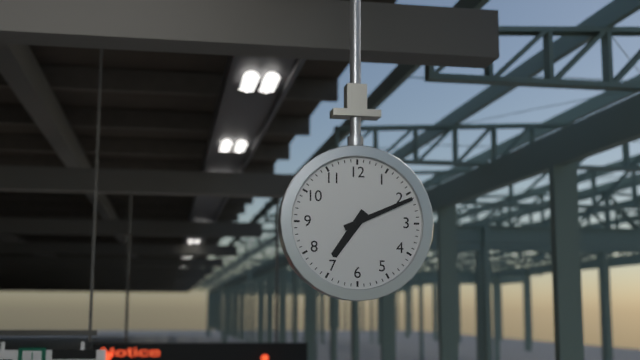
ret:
7:11
